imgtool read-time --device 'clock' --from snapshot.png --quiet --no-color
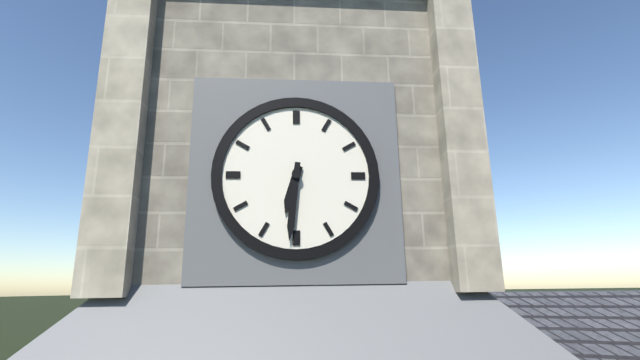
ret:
6:31
